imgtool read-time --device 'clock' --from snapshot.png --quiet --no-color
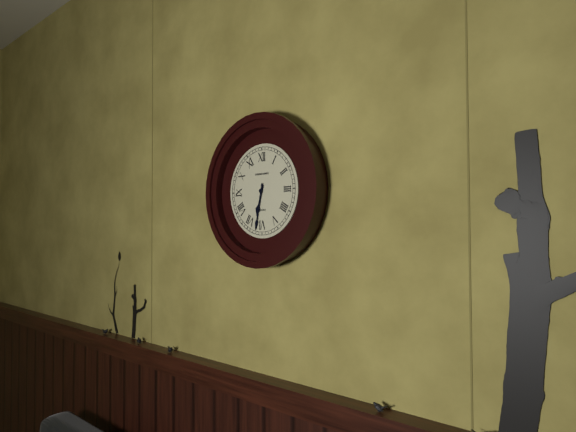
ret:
6:32
